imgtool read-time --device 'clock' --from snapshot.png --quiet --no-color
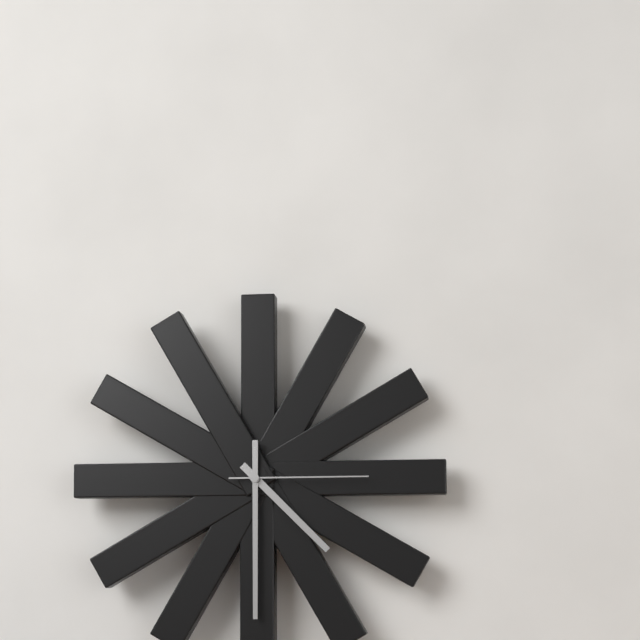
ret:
4:30:15
